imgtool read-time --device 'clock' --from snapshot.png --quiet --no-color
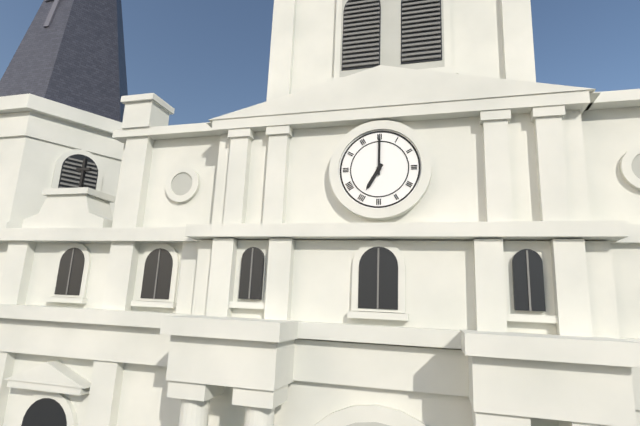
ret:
7:00
